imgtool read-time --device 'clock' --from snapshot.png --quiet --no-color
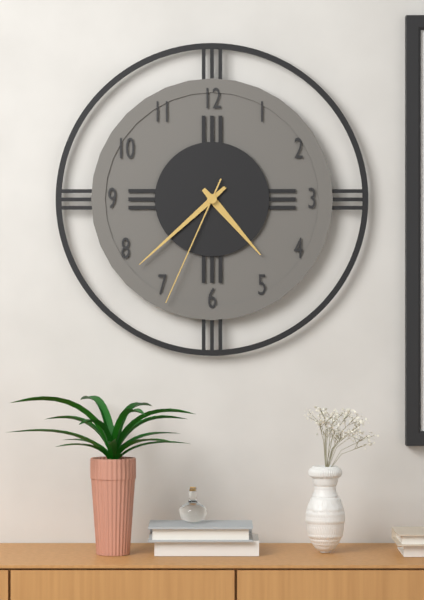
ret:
4:38:34
